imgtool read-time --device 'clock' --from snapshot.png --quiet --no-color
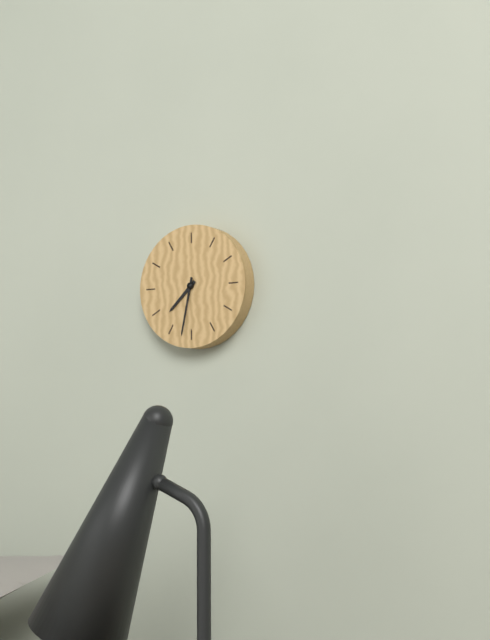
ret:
7:32
